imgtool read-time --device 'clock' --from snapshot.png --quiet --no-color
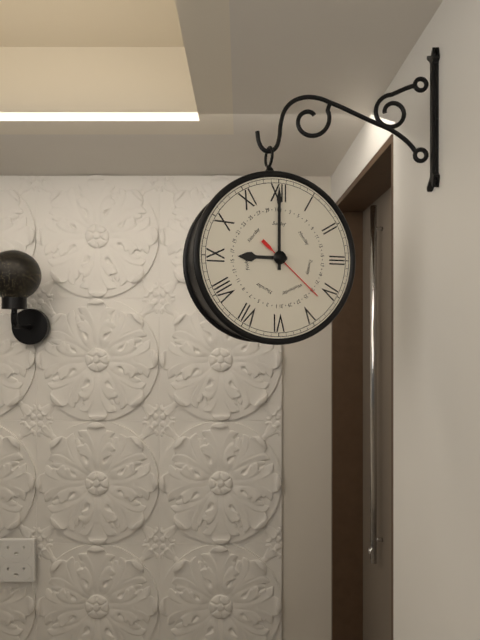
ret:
9:00:22
